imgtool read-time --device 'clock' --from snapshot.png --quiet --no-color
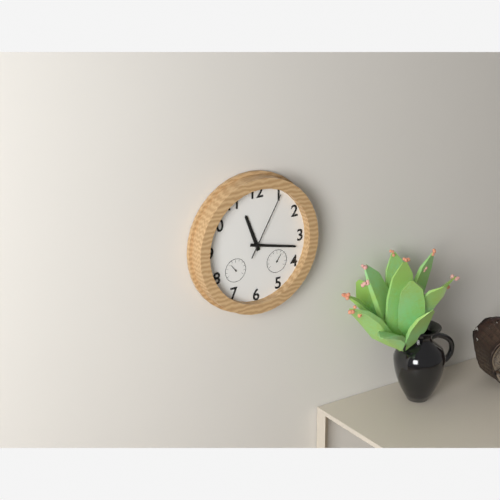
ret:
11:17:05
